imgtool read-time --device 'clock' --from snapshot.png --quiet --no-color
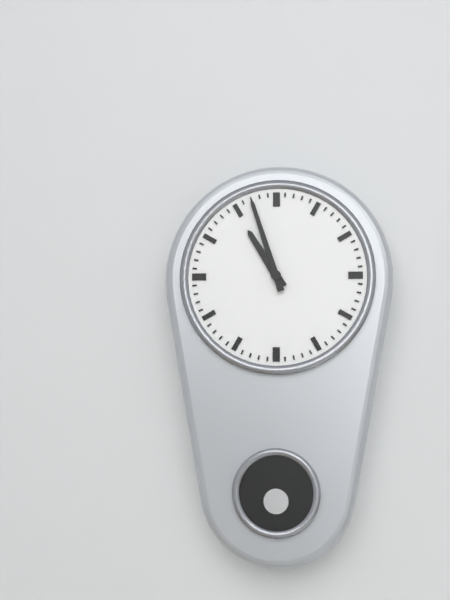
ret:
10:57
